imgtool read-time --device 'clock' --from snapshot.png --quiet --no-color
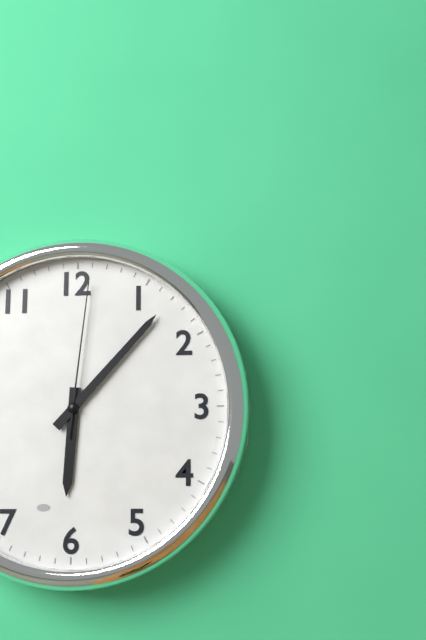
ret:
6:07:01
